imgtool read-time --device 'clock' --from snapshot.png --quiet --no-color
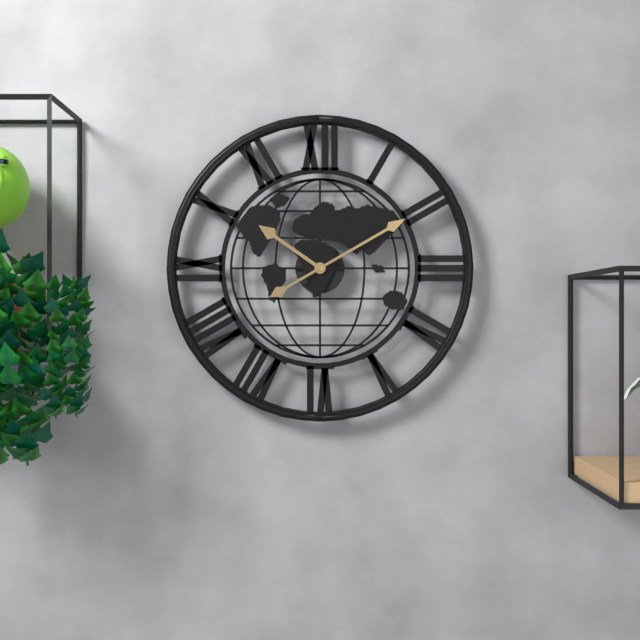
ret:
10:10
